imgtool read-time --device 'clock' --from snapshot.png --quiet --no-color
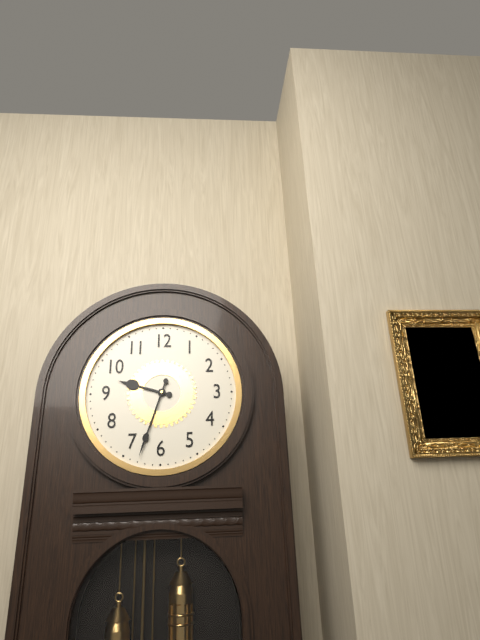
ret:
9:33
